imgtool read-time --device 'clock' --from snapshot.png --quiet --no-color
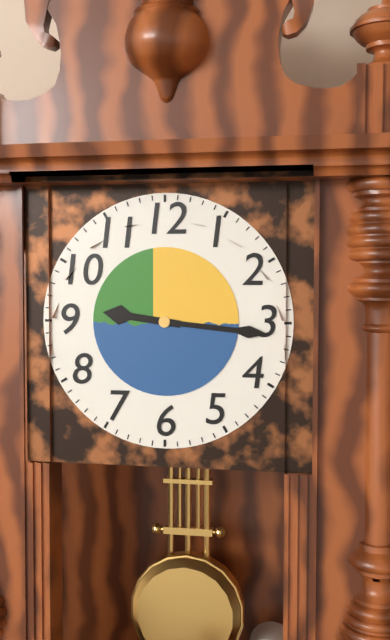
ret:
9:16
